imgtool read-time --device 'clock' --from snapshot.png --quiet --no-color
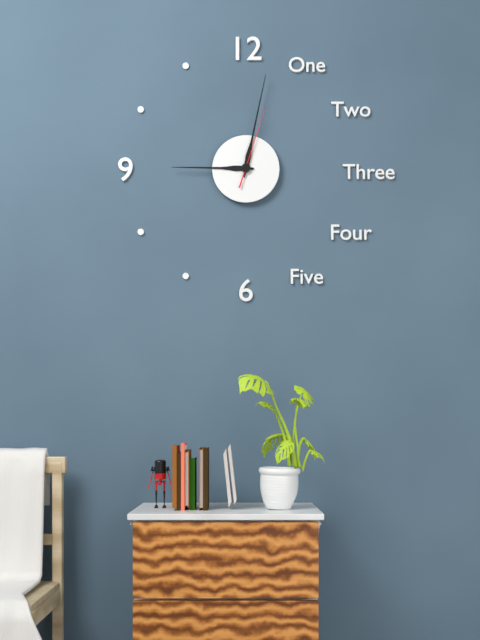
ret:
9:02:03
